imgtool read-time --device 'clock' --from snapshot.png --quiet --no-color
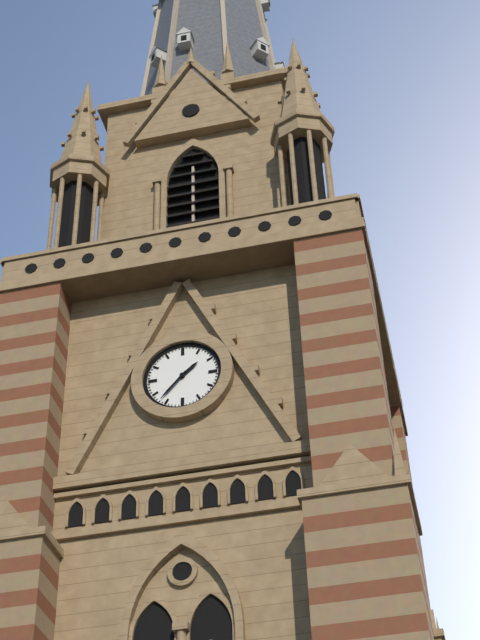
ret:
1:37
